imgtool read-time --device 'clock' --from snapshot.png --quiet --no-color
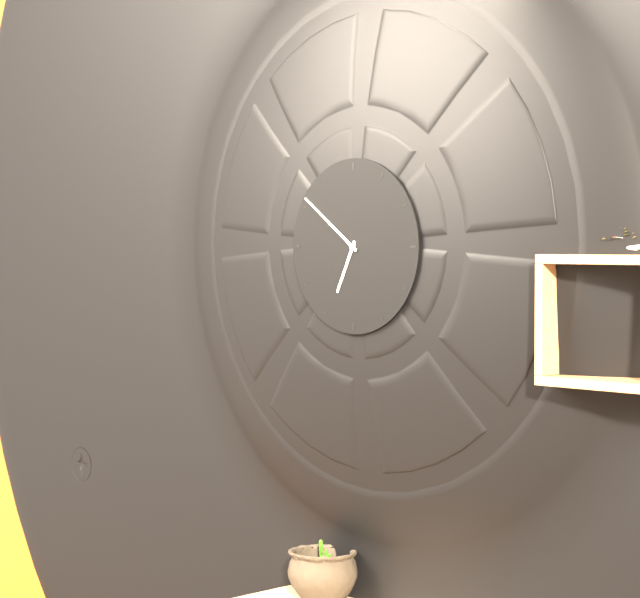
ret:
6:51
